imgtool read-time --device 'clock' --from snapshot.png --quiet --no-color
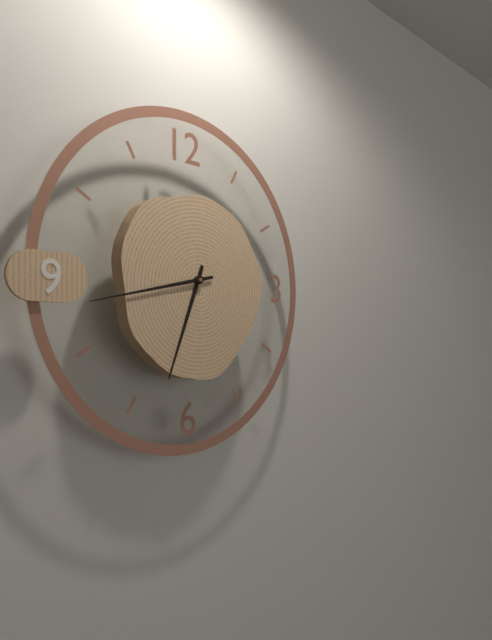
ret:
6:43
